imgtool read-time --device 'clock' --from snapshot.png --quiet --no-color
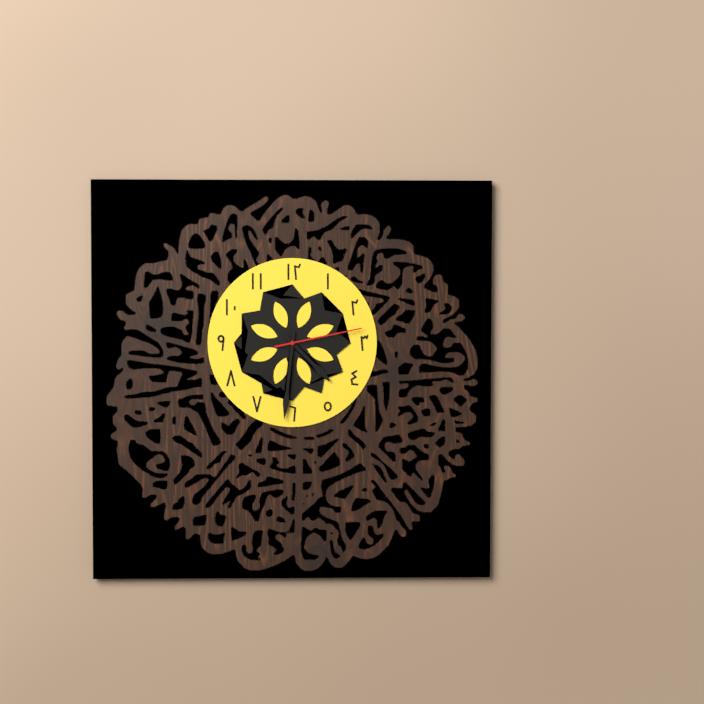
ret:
4:31:13
